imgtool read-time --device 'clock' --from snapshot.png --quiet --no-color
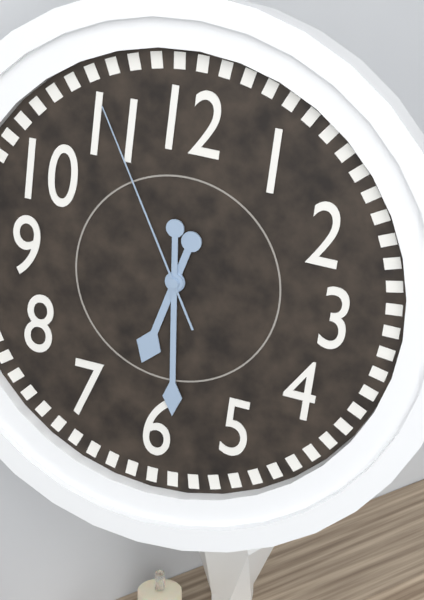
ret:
6:29:55
